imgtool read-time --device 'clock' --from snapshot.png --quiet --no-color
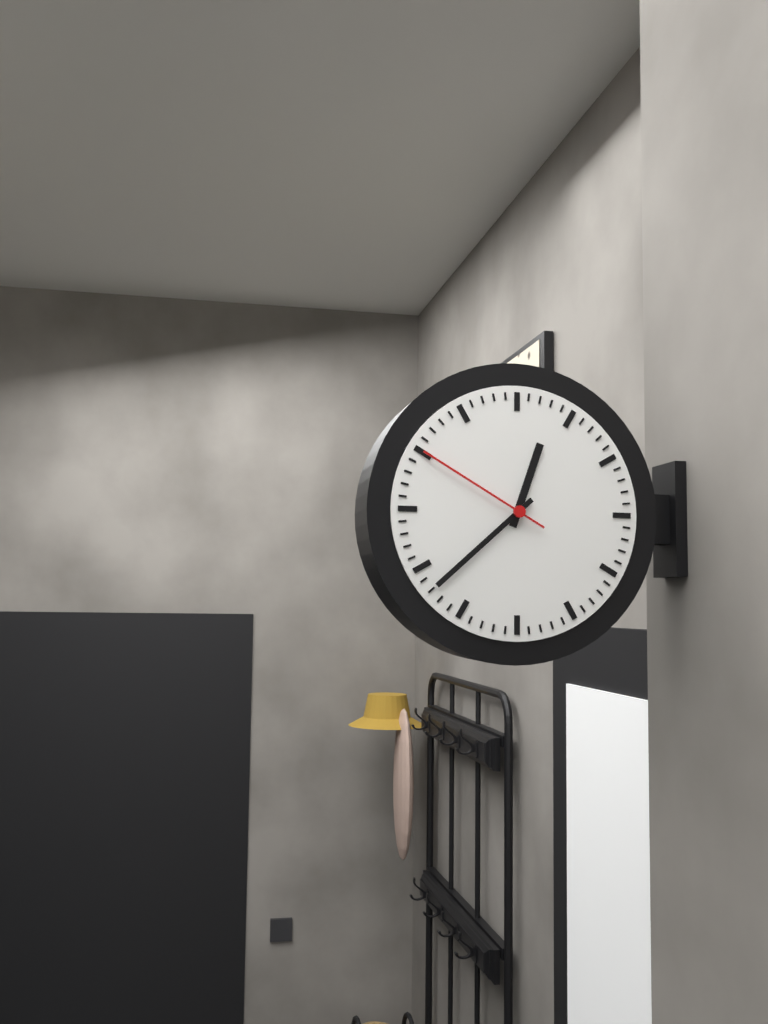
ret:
12:38:50
